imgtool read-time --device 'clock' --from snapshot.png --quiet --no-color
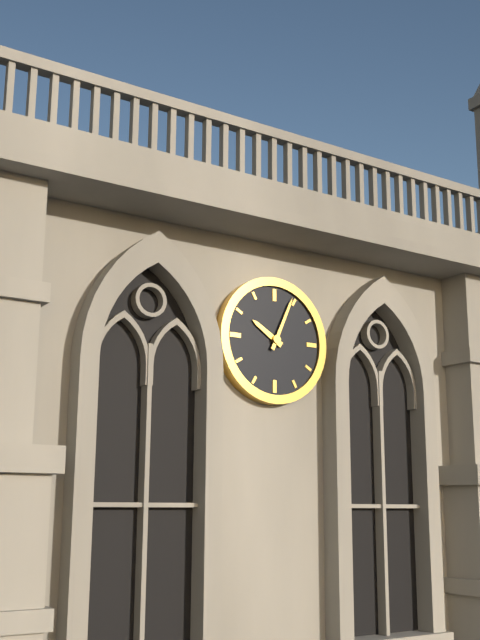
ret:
10:04
